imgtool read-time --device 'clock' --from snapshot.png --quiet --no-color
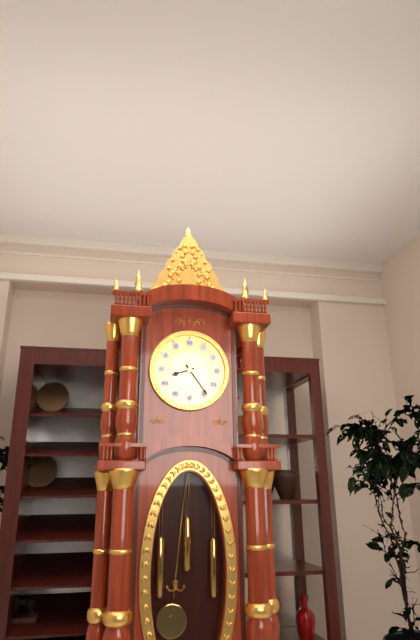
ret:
8:24
